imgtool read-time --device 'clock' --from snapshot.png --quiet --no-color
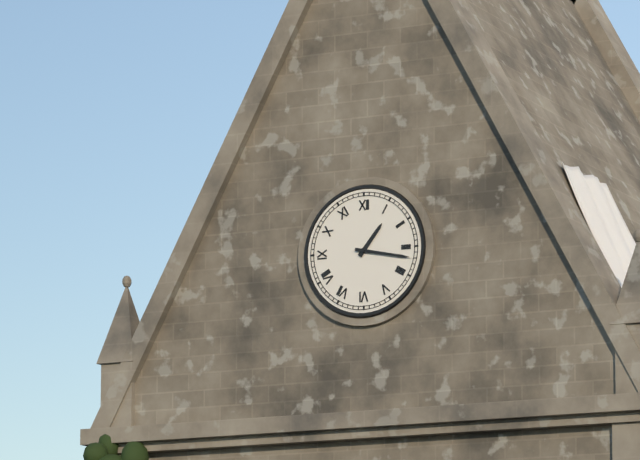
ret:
1:17
